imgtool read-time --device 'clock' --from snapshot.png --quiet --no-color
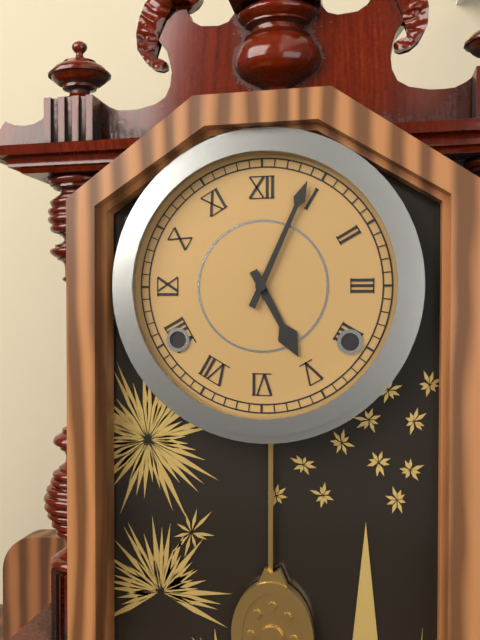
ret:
5:04
